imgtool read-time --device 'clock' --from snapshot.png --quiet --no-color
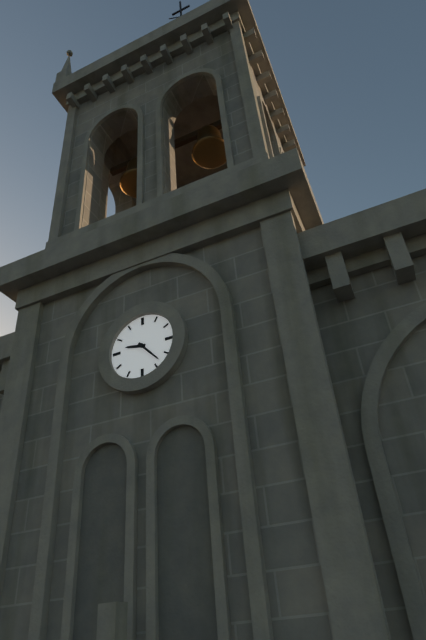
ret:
9:23
